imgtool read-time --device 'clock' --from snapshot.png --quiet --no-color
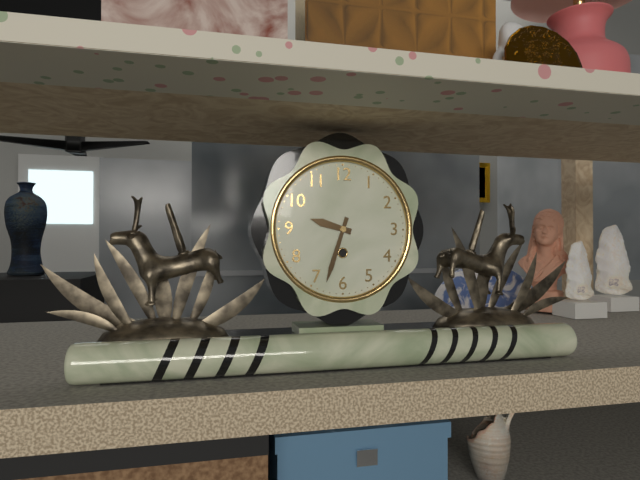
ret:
9:33
